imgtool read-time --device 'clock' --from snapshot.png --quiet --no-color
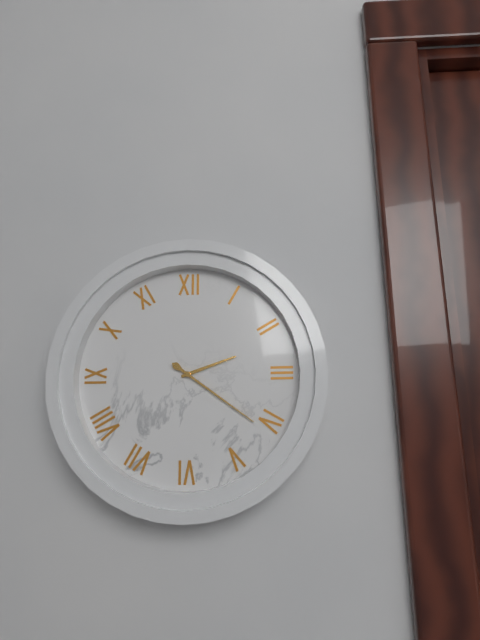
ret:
2:21
